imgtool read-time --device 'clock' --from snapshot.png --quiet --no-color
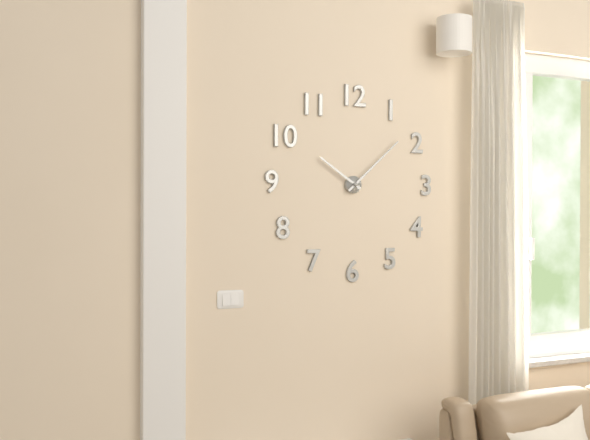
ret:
10:08
